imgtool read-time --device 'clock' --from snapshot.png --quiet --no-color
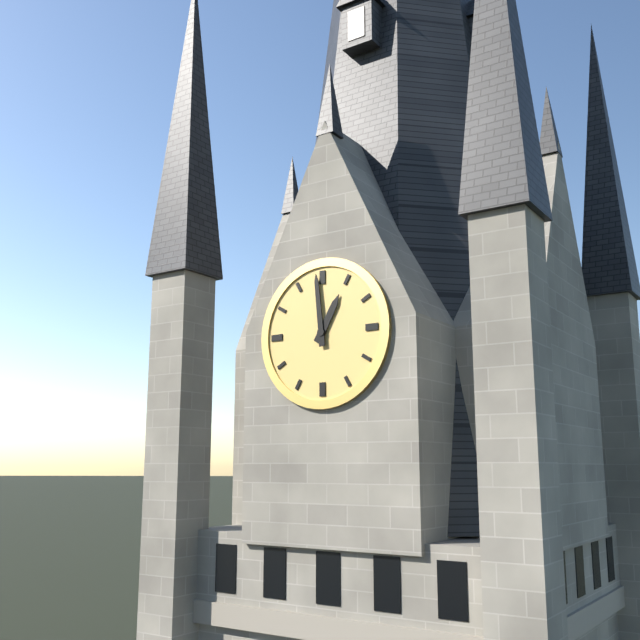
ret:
12:59
